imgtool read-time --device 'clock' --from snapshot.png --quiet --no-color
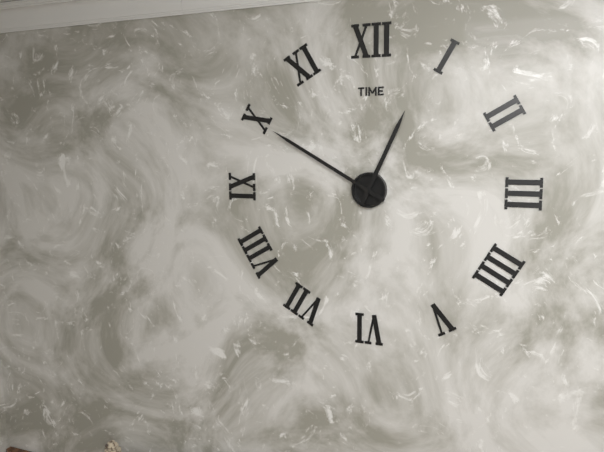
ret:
12:50
